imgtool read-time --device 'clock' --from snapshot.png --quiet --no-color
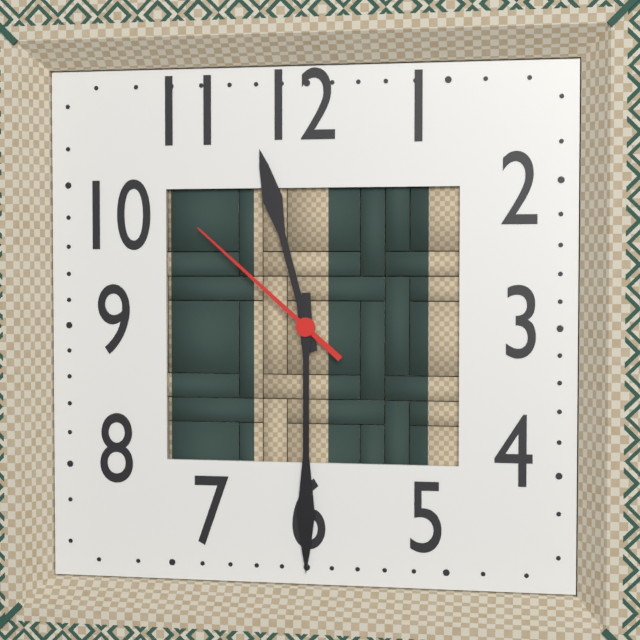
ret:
11:30:52
